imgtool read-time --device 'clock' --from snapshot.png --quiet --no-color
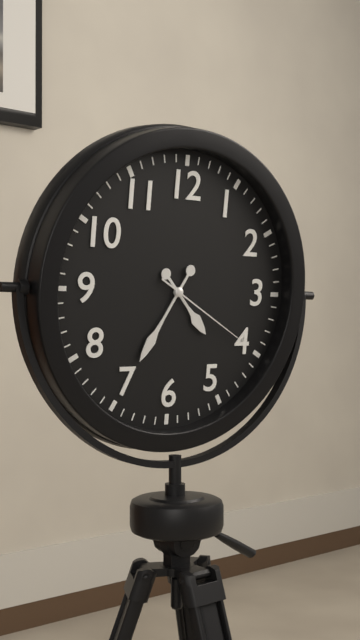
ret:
4:35:20
